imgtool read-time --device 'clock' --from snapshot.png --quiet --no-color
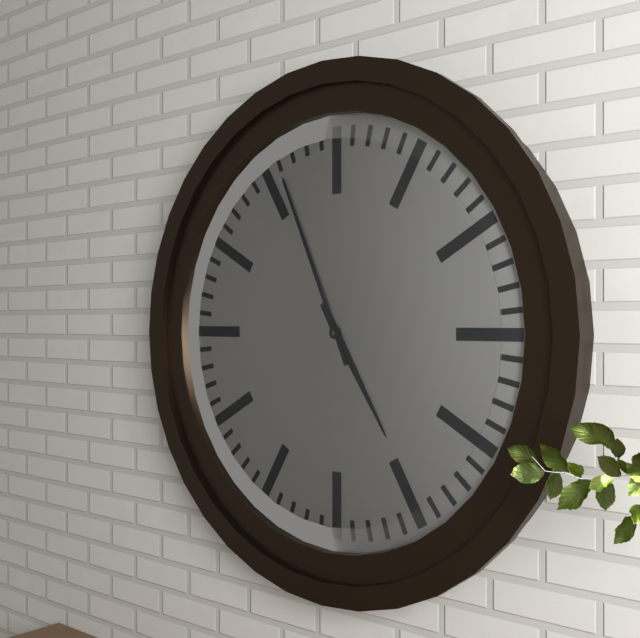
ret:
4:56
